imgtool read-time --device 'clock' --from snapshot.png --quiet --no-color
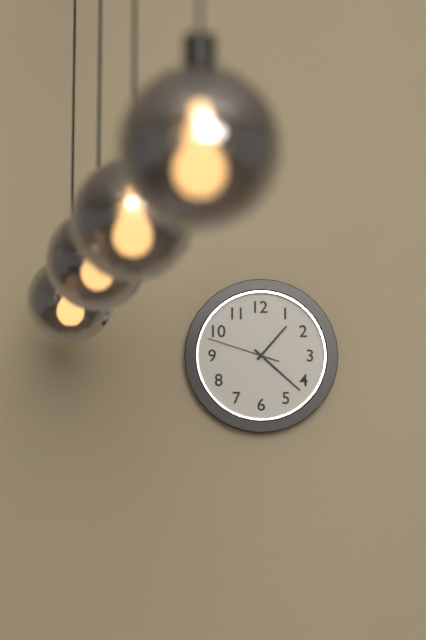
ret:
1:22:48
